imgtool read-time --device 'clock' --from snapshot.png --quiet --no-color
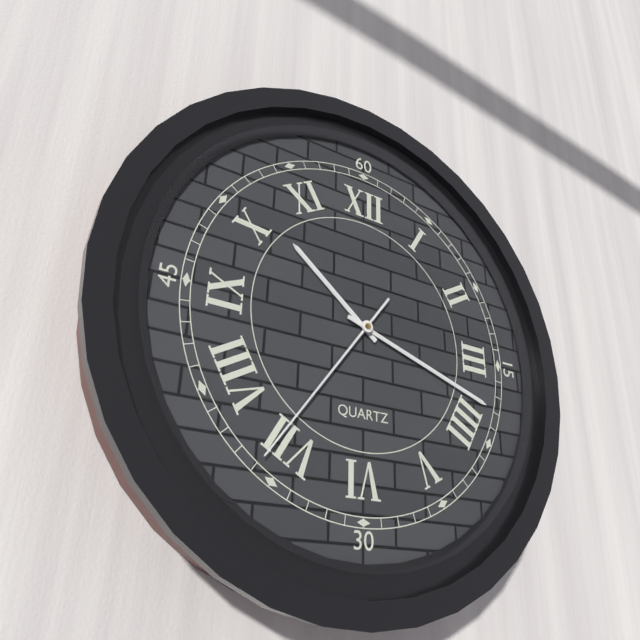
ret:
10:18:36
